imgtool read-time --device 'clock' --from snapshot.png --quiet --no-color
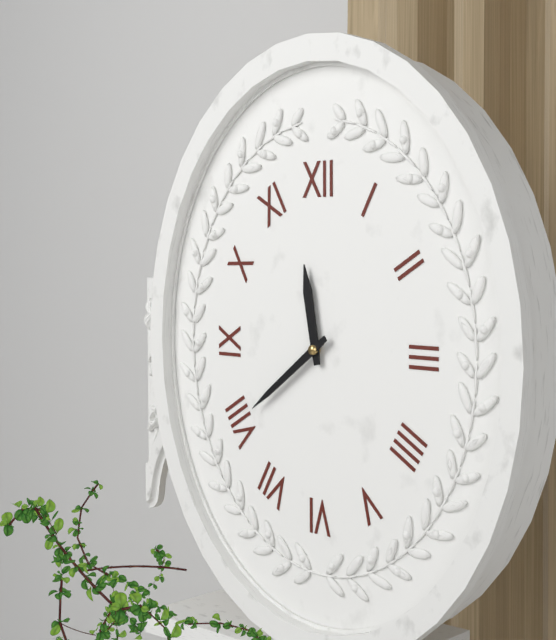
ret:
11:39
